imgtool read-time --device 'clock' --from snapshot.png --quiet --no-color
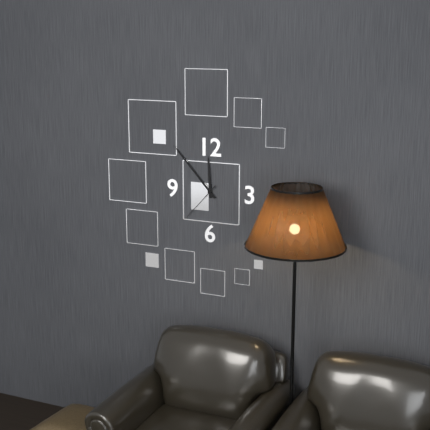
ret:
11:53
